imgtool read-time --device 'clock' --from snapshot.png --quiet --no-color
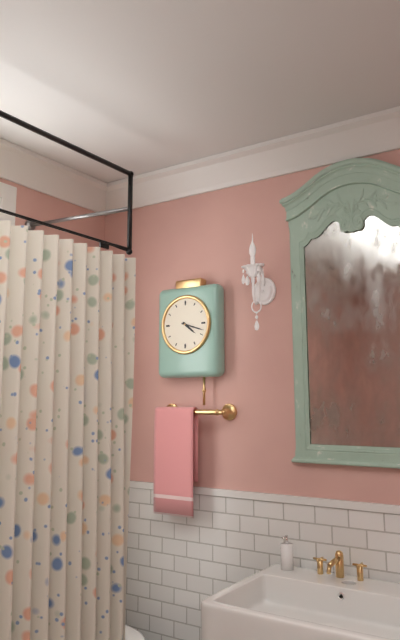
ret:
4:18
